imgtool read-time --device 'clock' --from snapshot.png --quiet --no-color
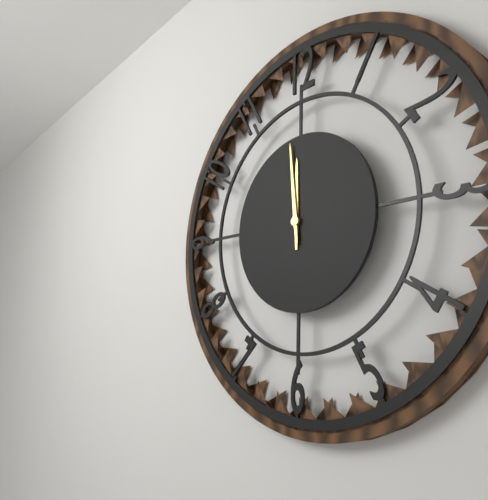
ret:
11:59
